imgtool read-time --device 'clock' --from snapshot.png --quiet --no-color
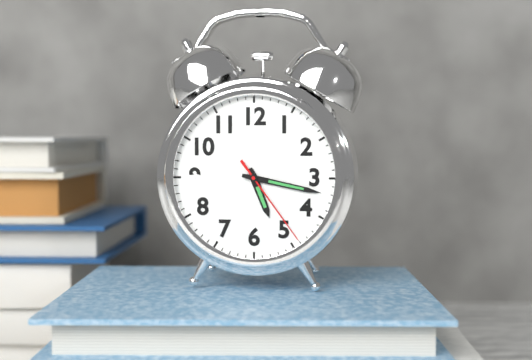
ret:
5:17:24
